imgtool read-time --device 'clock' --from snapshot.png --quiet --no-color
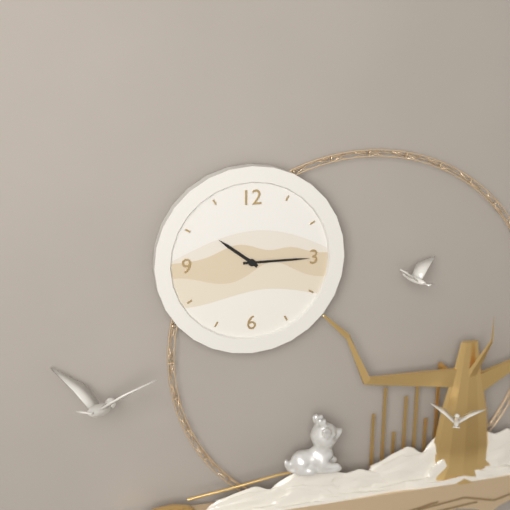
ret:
10:15
